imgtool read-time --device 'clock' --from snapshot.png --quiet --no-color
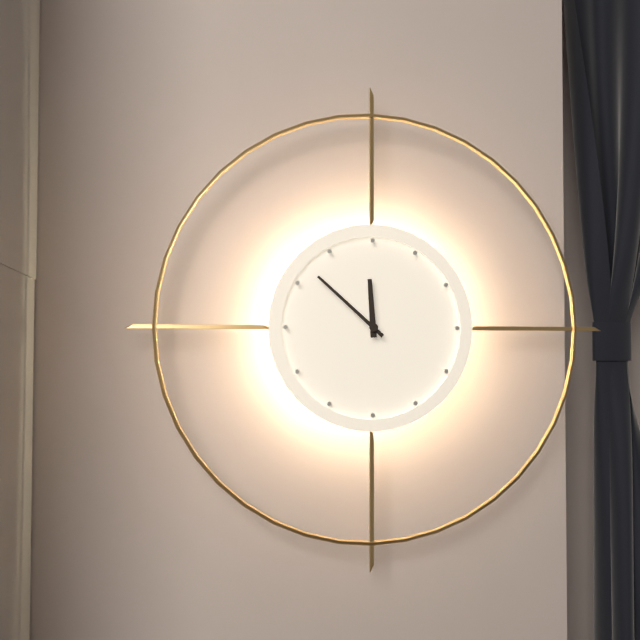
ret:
11:52
